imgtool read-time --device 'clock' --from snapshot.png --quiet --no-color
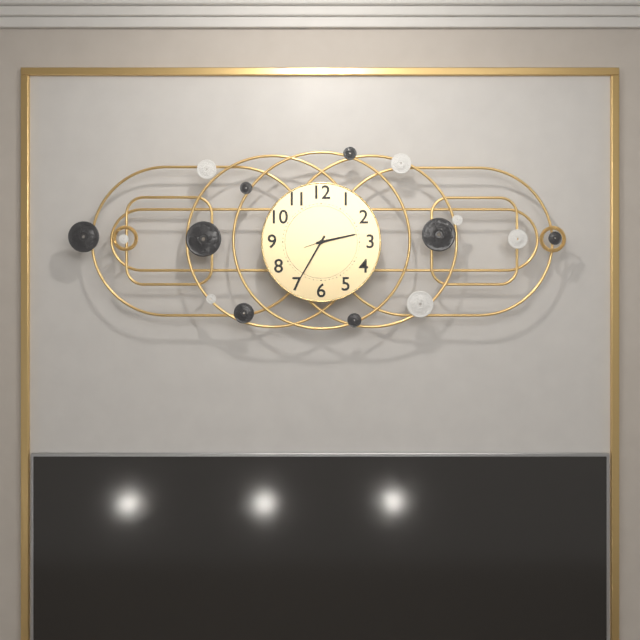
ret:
2:35
